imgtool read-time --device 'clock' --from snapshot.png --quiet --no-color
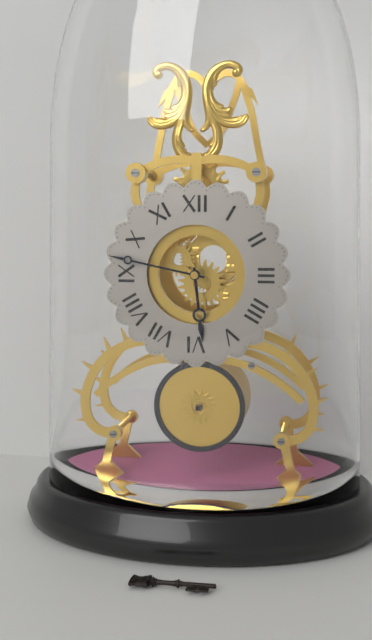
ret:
5:47
